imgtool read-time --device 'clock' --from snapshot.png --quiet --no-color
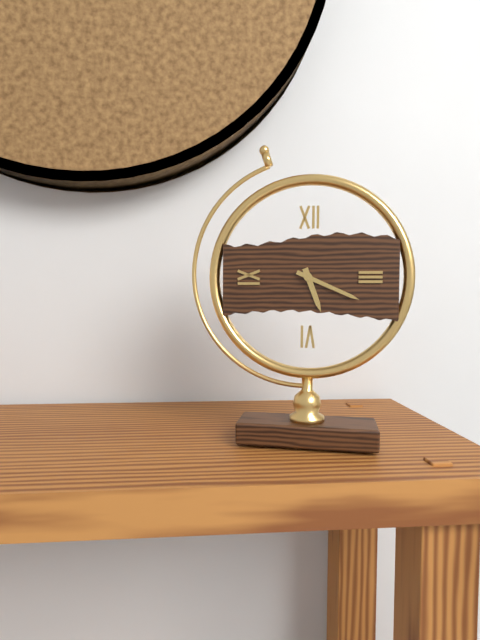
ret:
5:19
